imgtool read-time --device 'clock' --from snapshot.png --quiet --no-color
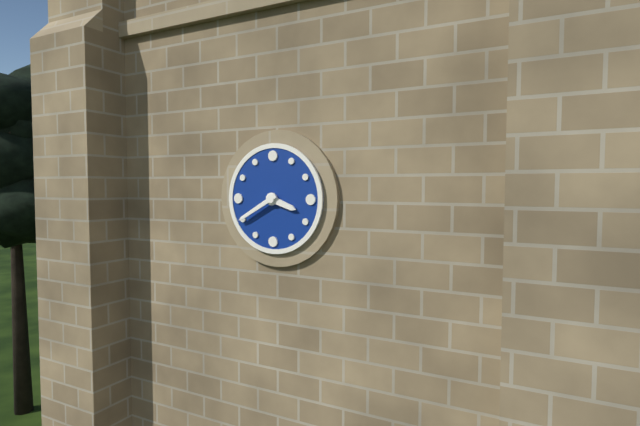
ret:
3:40
